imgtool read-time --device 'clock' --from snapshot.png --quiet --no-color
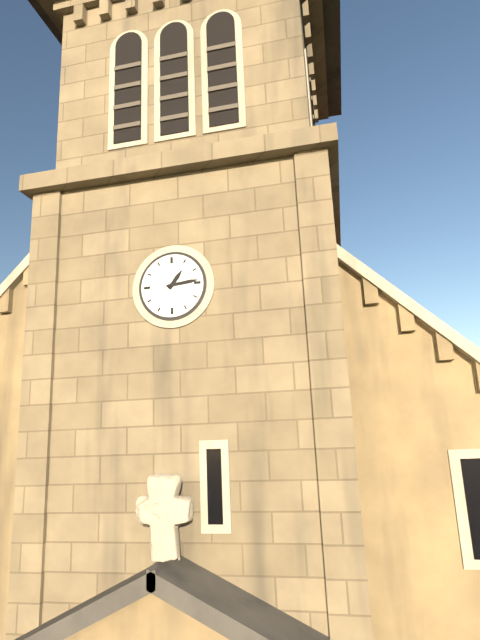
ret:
1:14
